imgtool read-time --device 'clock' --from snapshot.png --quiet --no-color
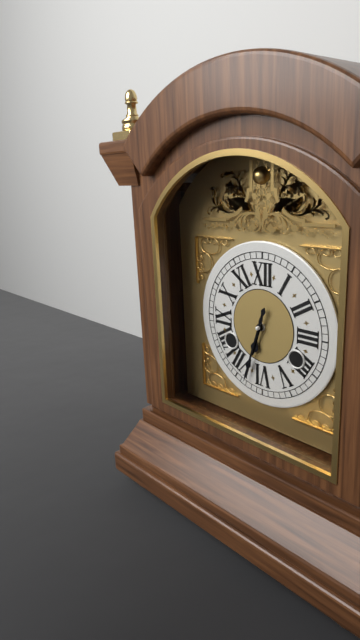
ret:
6:33
